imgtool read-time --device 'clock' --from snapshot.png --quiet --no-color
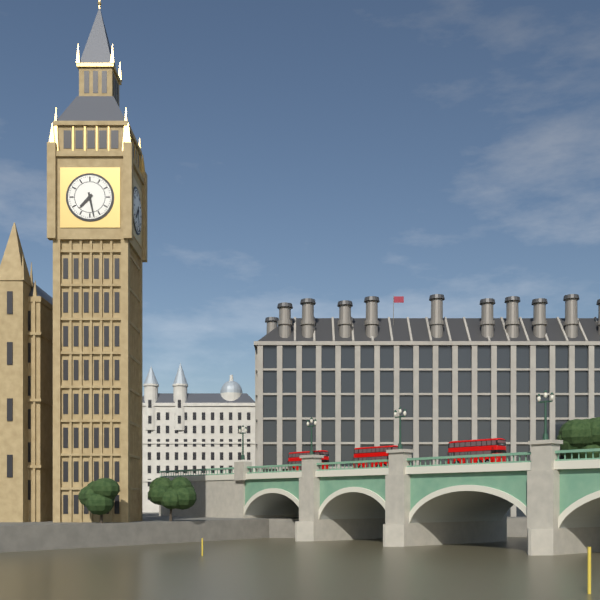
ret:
7:28
